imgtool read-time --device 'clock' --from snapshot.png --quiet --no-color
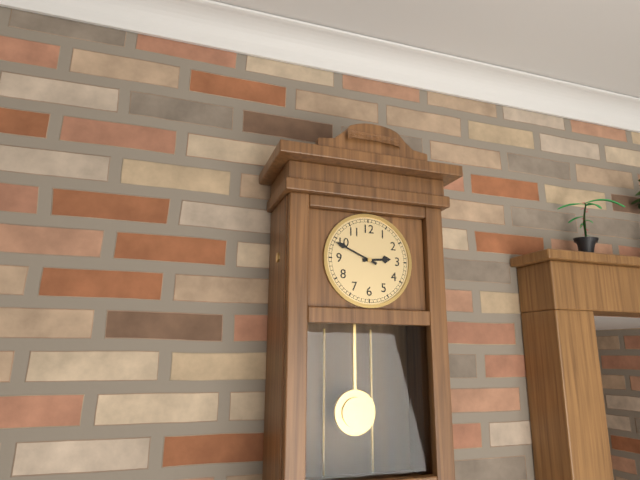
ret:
2:49
